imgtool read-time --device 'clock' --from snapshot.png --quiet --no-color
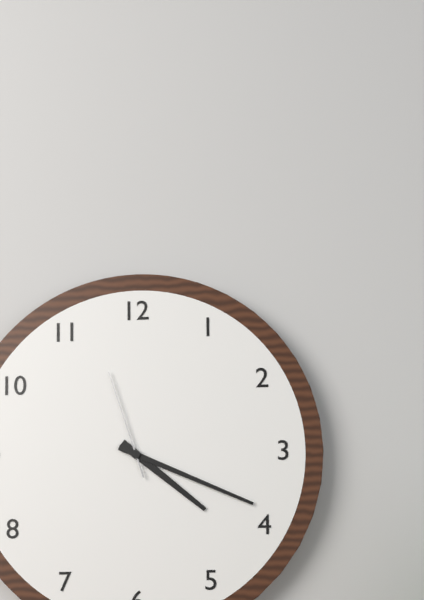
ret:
4:19:57
